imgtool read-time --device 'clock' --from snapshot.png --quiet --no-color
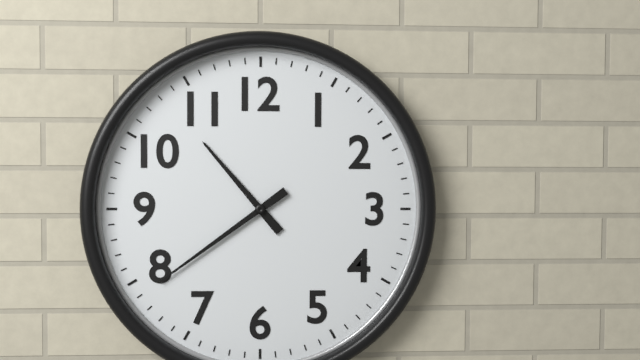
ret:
10:39
